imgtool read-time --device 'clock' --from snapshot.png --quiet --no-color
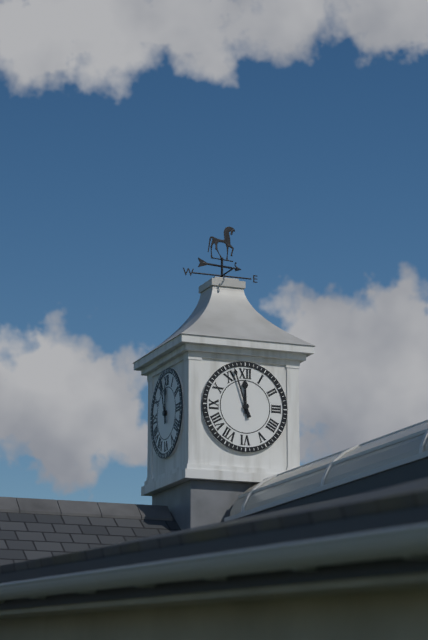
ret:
11:57
